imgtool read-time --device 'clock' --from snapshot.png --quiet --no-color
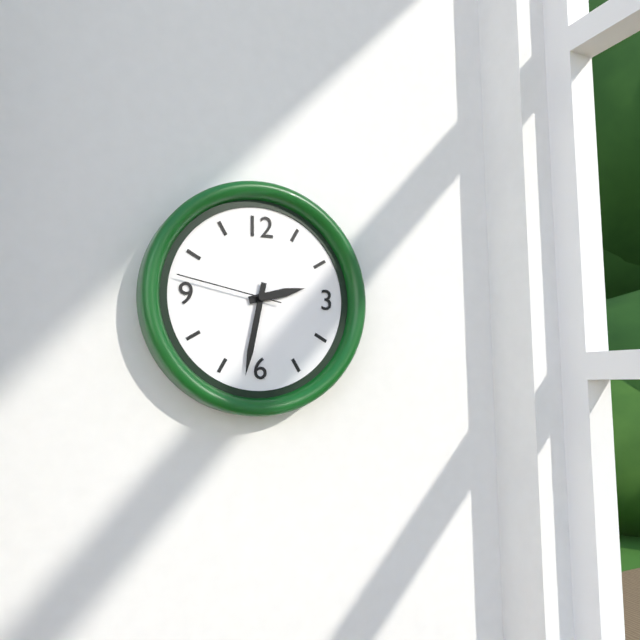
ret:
2:32:47
